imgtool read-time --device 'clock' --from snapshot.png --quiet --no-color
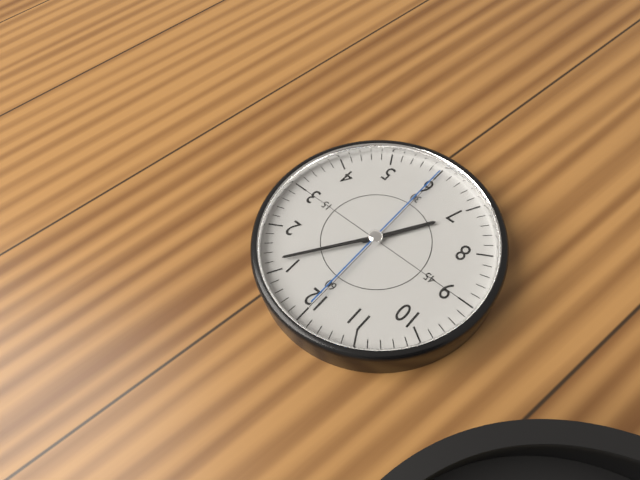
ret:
7:06:30
